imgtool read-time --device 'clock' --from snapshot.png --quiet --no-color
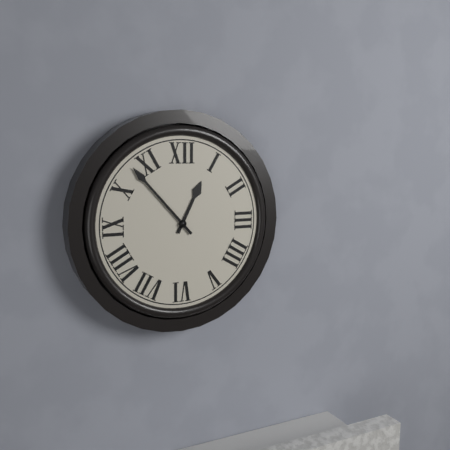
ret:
12:53
